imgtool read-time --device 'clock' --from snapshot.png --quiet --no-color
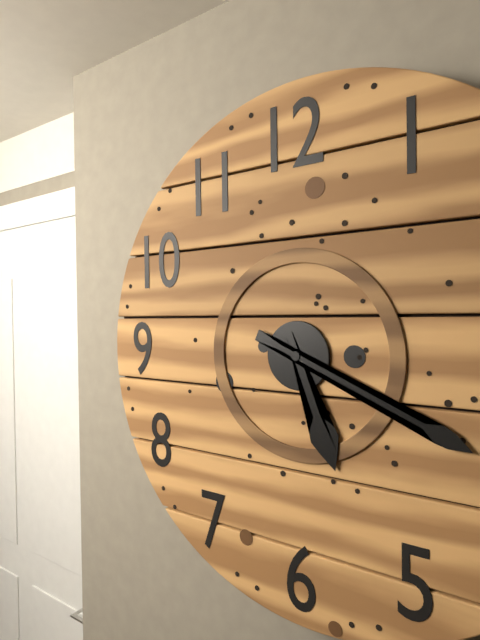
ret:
5:19
